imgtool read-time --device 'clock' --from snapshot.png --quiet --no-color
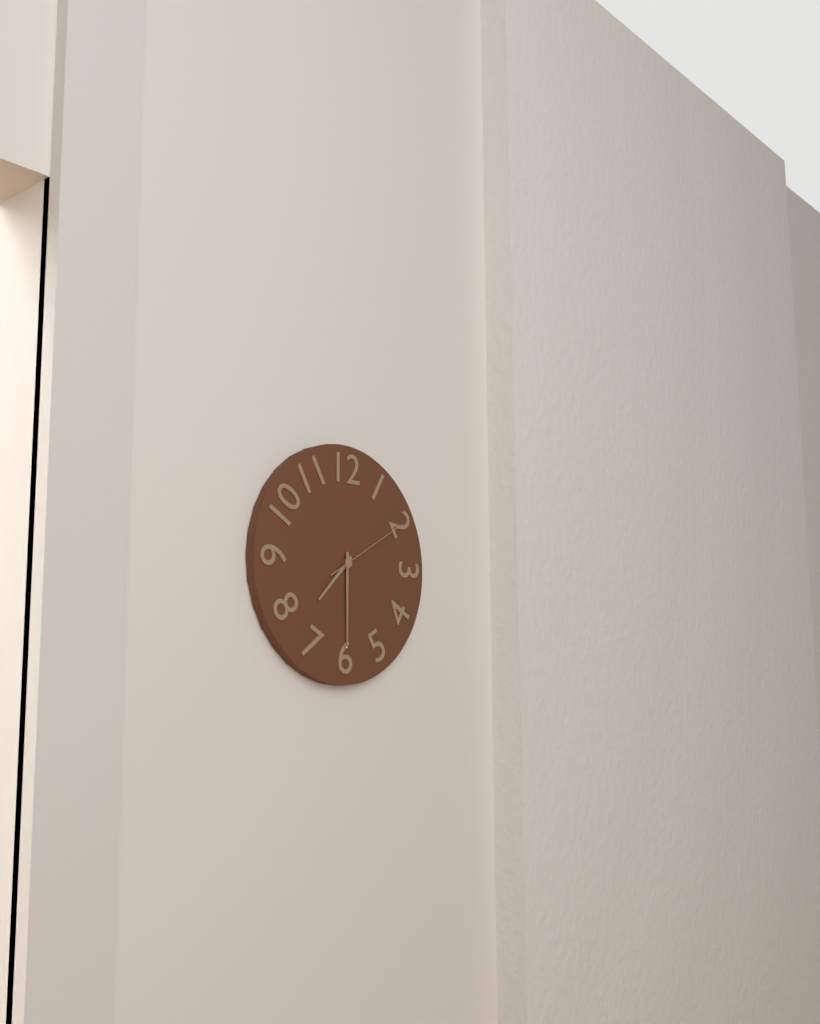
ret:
7:30:10
